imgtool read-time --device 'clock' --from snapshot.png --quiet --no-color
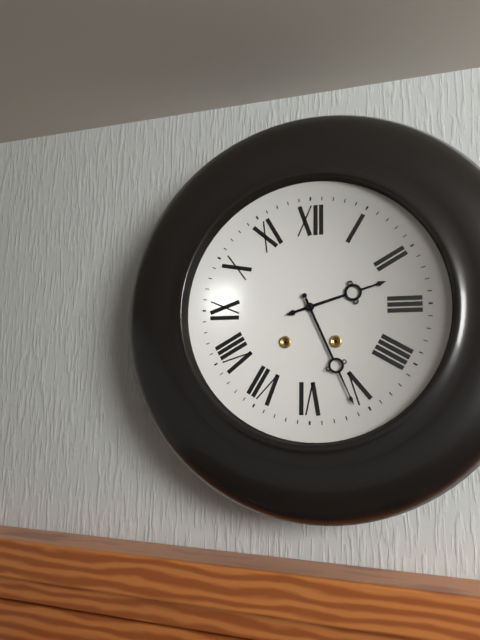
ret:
2:26
